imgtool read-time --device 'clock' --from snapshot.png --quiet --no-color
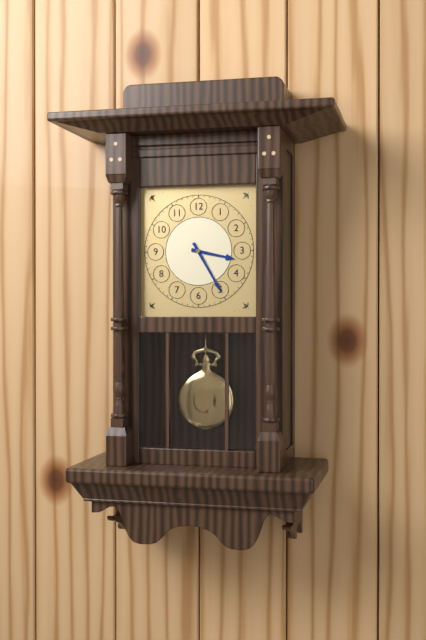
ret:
3:25
